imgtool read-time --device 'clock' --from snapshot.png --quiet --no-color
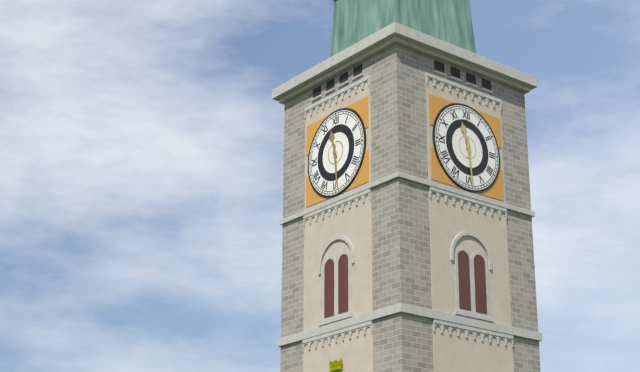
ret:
11:29
